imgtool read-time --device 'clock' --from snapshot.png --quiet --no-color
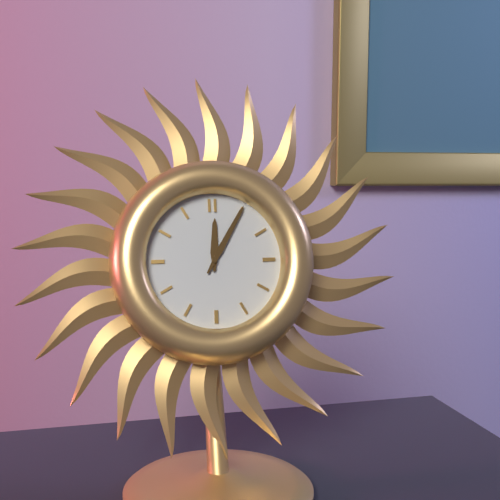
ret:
12:05
